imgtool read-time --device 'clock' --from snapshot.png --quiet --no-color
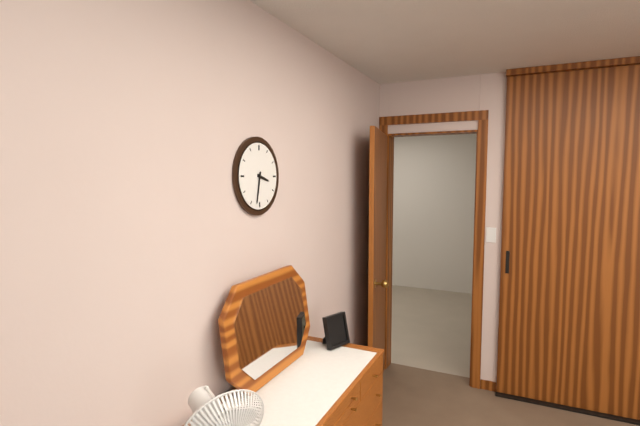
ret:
3:32
